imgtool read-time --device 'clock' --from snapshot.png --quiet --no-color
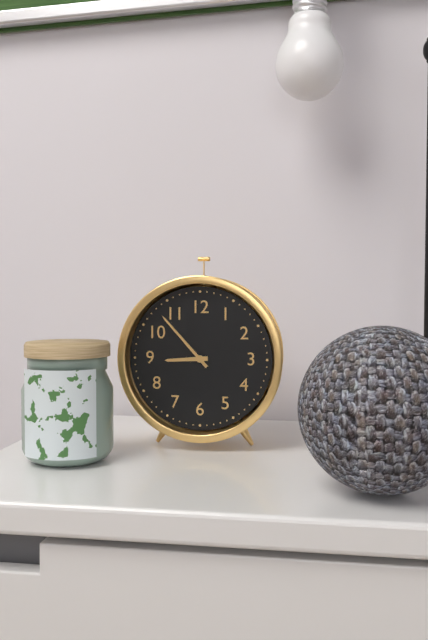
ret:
8:53
